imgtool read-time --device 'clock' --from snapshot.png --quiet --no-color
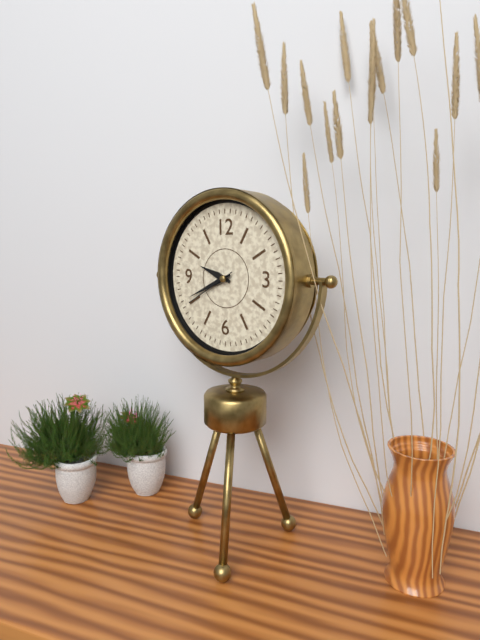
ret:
9:41:40
